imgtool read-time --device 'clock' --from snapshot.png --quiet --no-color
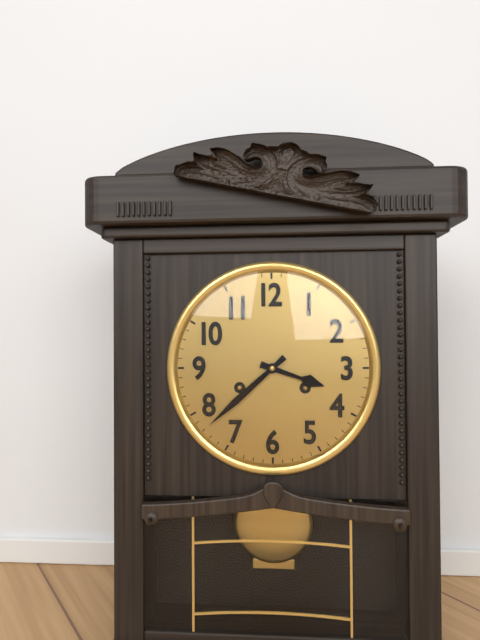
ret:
3:38
